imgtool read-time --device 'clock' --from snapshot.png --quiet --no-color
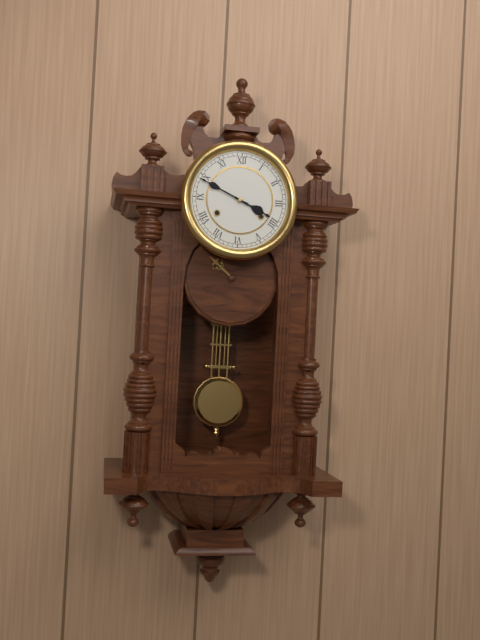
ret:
3:49
